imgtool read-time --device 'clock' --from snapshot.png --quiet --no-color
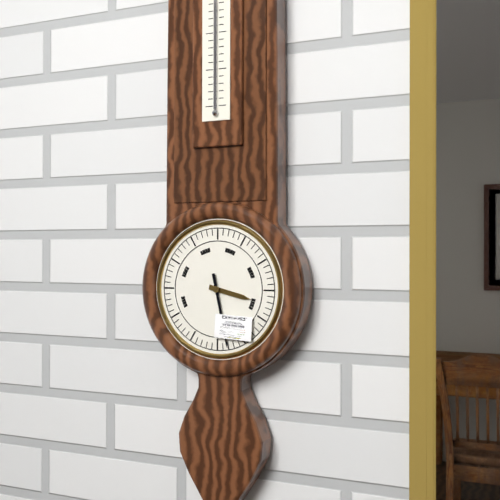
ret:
3:28
